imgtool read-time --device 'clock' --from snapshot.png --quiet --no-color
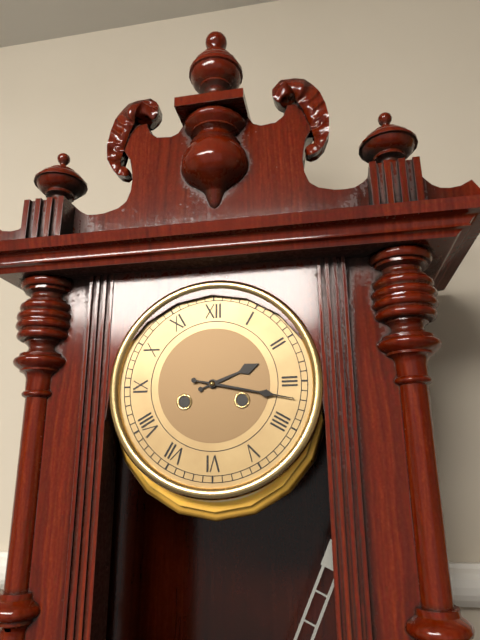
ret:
2:17
